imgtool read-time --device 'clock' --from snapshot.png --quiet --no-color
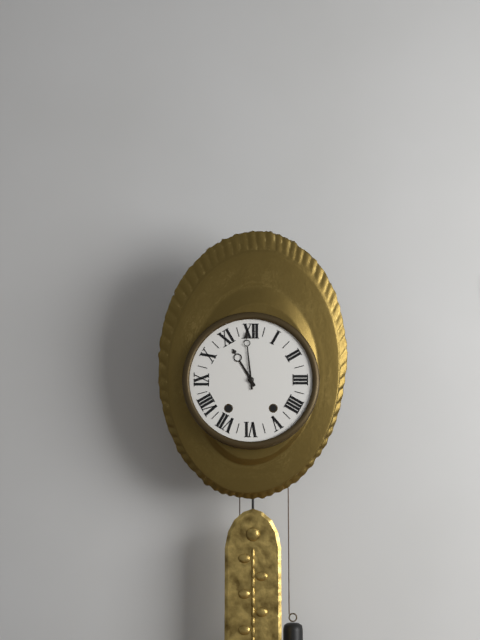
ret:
10:59
